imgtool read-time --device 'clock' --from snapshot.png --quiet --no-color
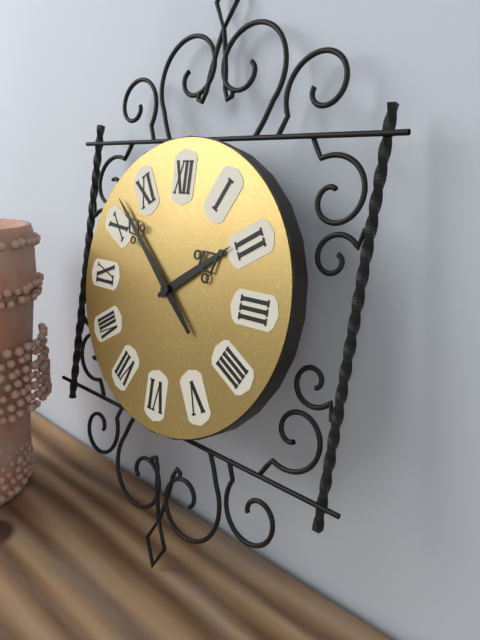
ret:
1:52
